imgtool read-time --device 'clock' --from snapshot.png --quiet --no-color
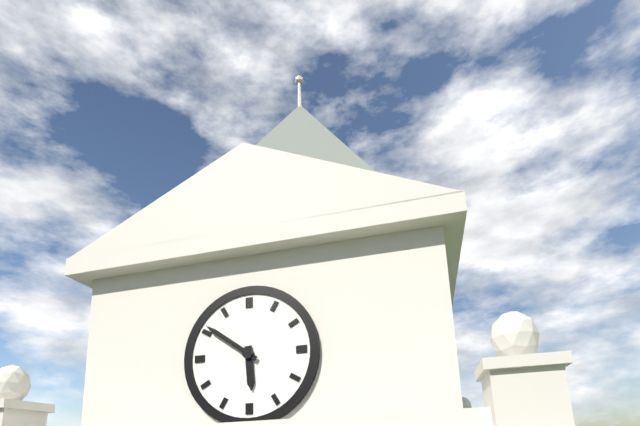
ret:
5:51
